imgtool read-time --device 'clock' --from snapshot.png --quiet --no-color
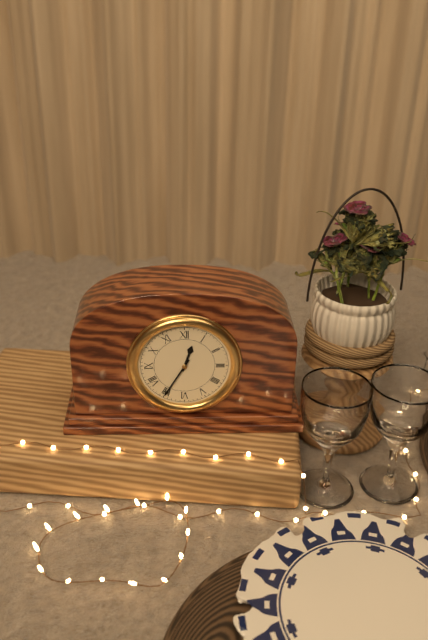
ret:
12:35
